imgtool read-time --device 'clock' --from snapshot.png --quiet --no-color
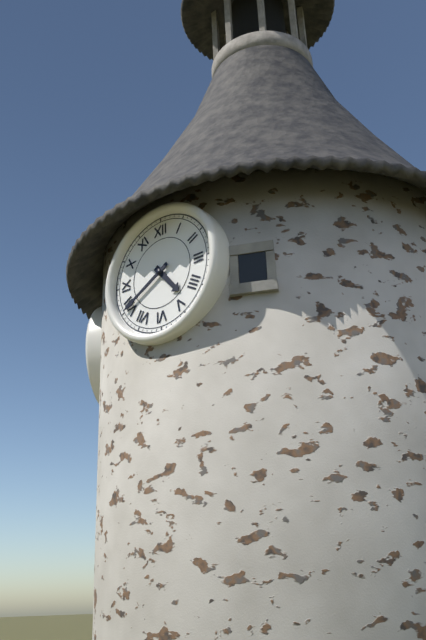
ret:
4:40
